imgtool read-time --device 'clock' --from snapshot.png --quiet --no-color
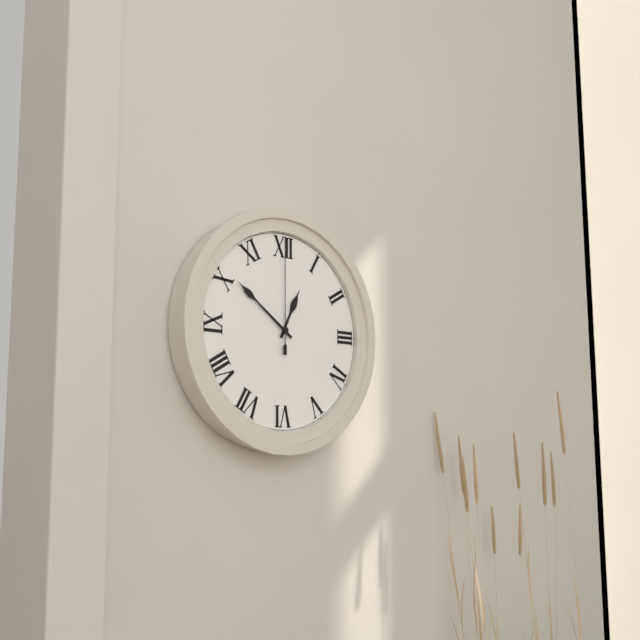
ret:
12:51:00
